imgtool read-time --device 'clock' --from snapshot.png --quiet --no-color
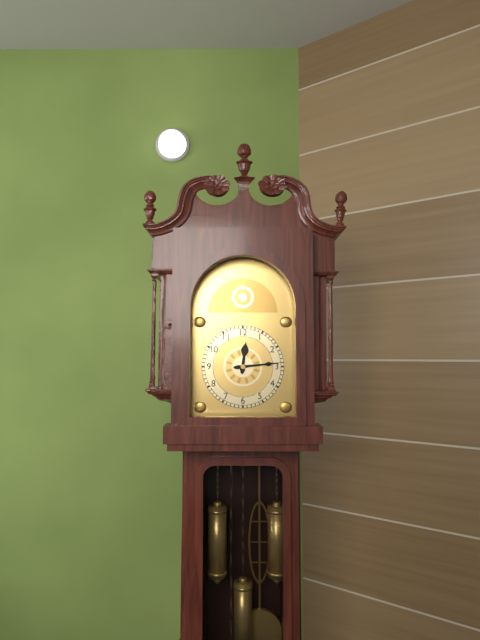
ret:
12:14
